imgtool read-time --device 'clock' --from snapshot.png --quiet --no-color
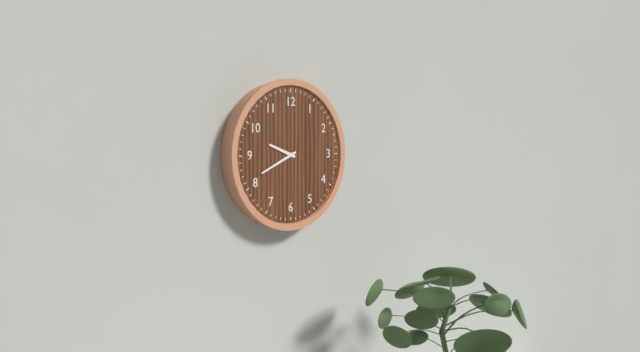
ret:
9:41
